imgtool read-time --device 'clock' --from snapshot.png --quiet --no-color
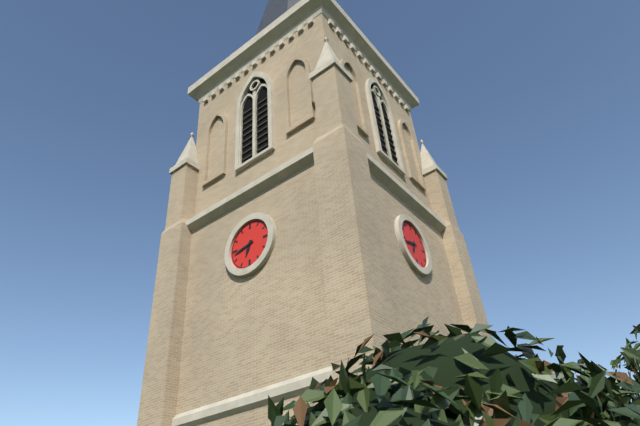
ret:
6:43
